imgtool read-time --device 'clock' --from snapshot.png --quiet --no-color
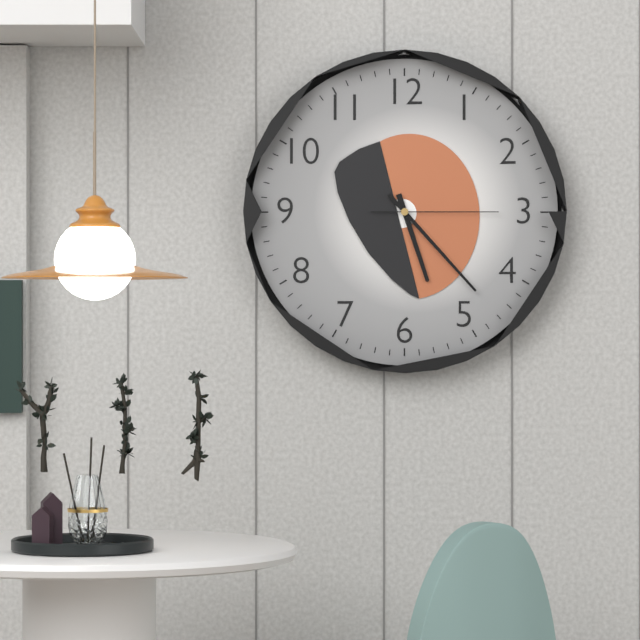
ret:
5:23:15
